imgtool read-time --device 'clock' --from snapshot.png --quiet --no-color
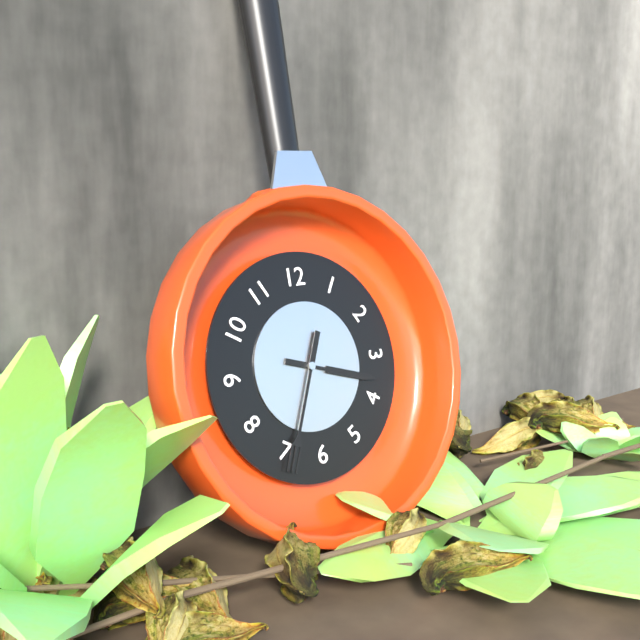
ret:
3:34
